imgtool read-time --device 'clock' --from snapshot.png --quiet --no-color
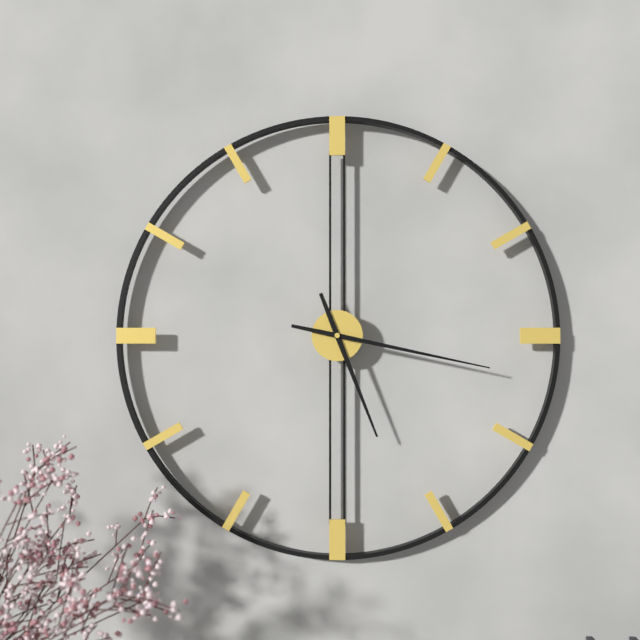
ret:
5:17
